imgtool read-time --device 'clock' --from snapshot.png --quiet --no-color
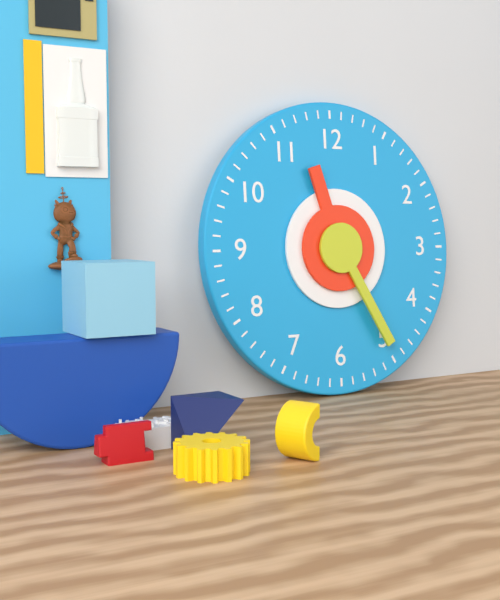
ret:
11:25
